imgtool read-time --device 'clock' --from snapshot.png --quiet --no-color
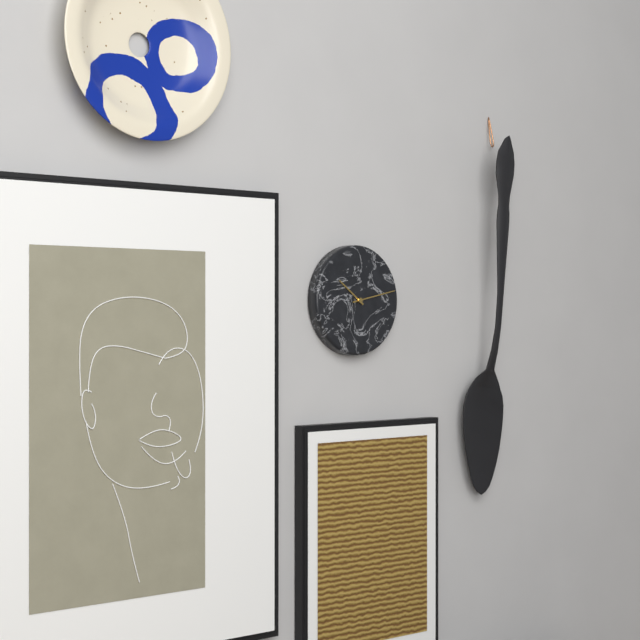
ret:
10:13
